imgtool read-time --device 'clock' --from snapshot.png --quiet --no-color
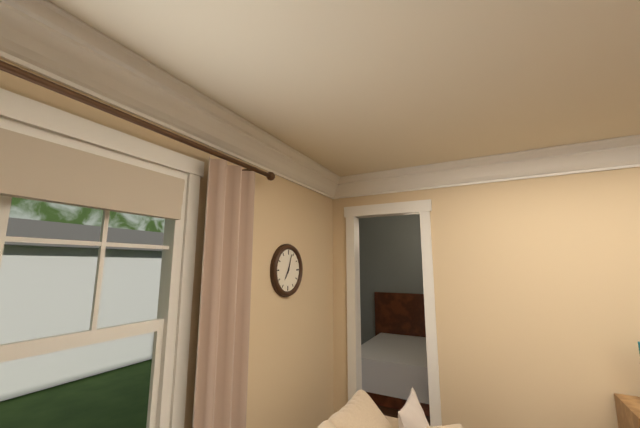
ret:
7:03
